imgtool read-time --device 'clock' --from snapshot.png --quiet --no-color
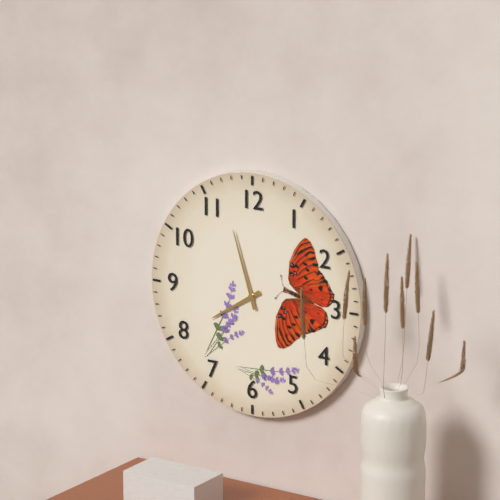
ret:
7:57
